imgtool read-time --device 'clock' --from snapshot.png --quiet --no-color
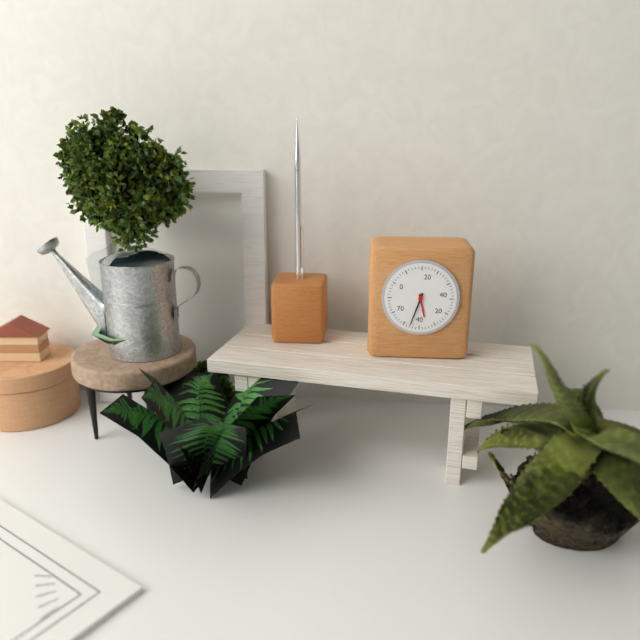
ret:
5:33
